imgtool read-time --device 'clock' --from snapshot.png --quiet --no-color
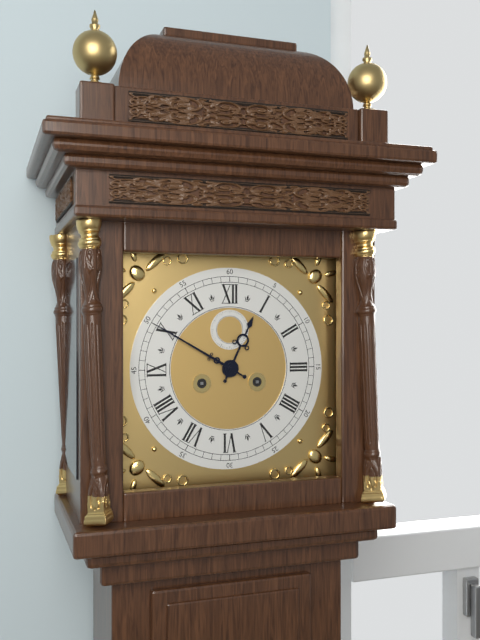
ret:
12:50
